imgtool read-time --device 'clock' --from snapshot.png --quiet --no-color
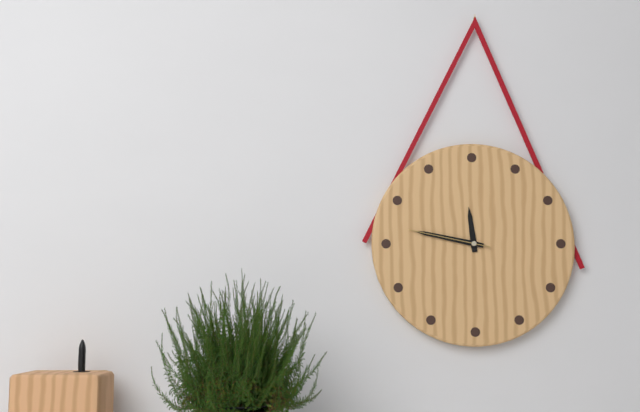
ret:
11:47:47
